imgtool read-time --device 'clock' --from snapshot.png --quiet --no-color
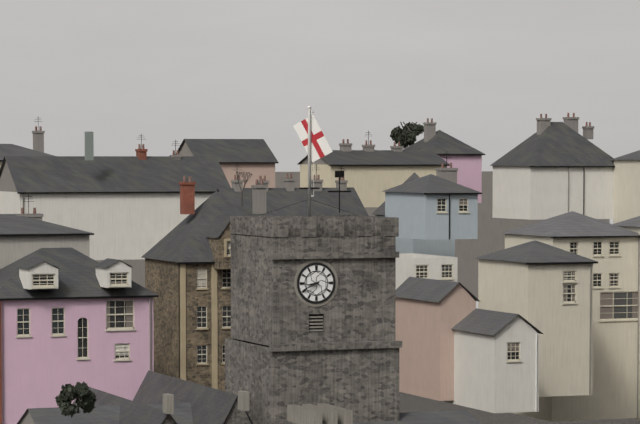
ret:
8:41
